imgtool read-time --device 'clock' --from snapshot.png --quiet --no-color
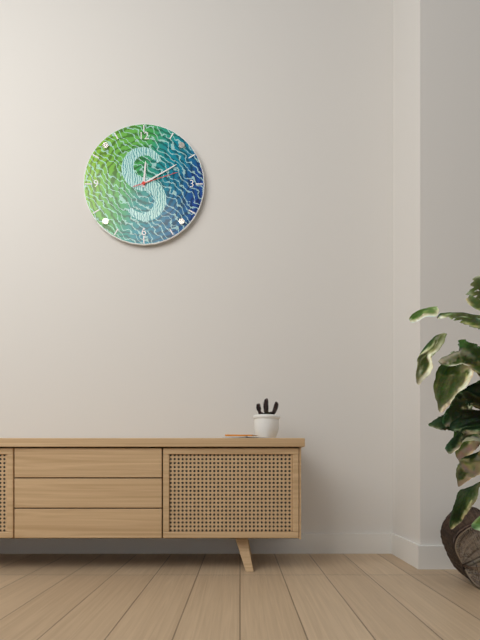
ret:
12:10
